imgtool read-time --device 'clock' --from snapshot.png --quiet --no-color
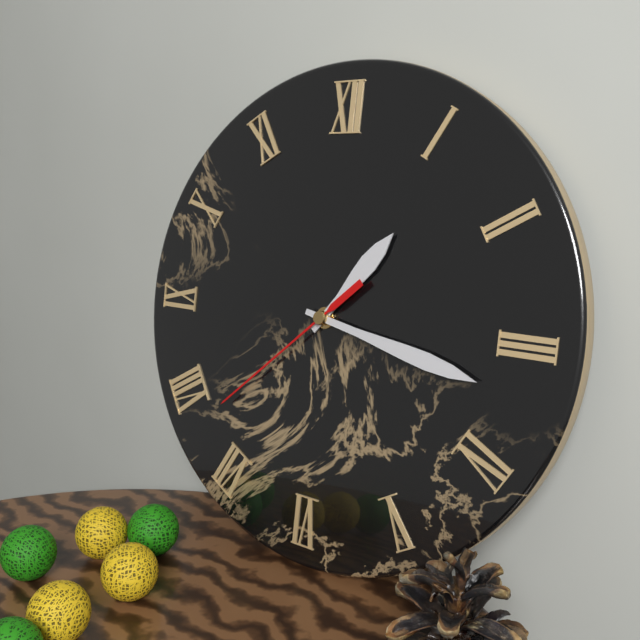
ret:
1:17:38
